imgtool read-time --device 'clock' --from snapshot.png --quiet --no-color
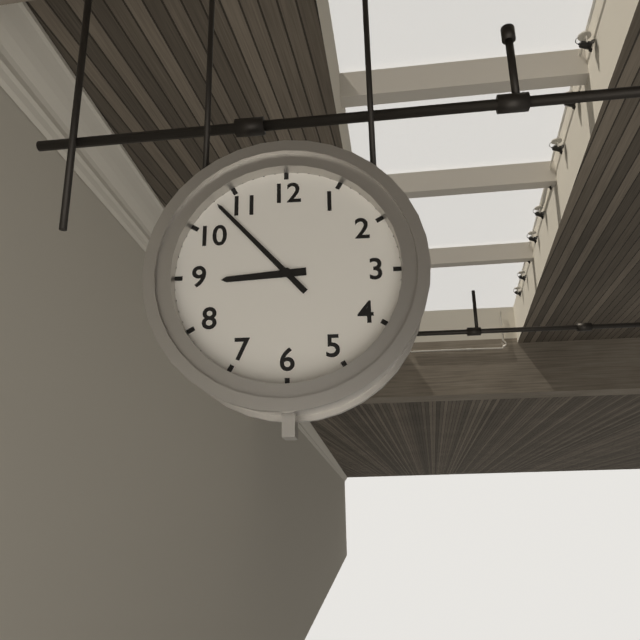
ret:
8:53
